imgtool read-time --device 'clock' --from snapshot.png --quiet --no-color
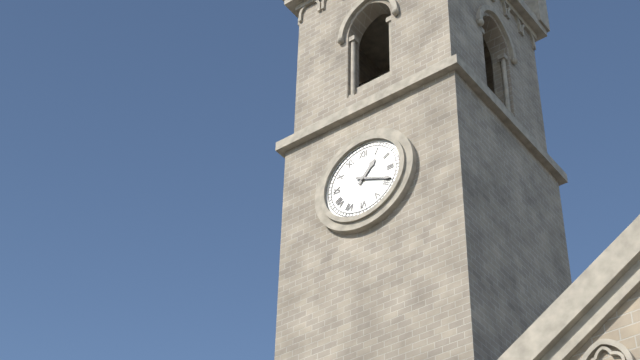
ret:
1:19
